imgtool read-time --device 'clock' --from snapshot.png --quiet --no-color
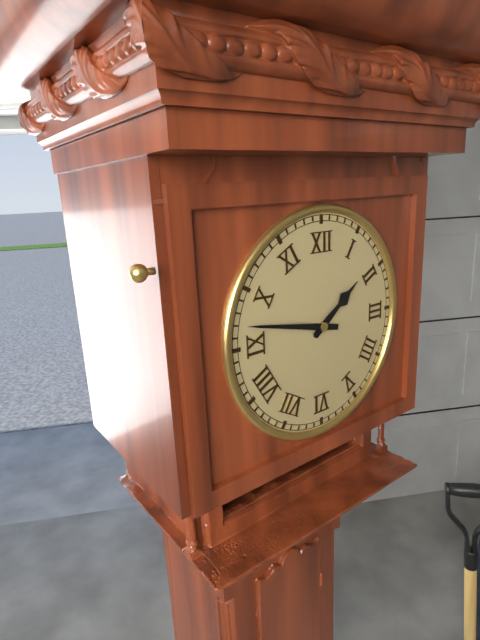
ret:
1:47
